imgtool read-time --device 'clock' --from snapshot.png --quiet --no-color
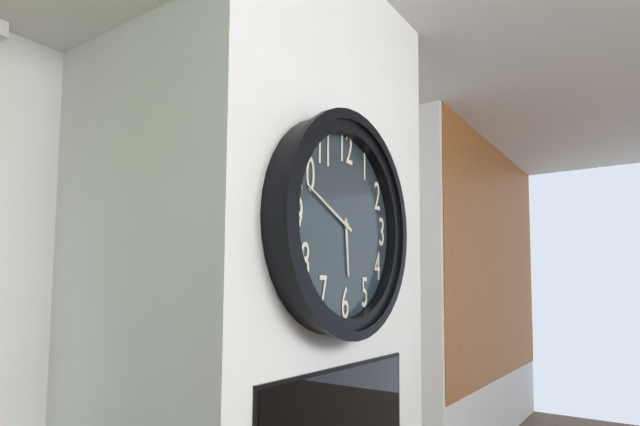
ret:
5:49
